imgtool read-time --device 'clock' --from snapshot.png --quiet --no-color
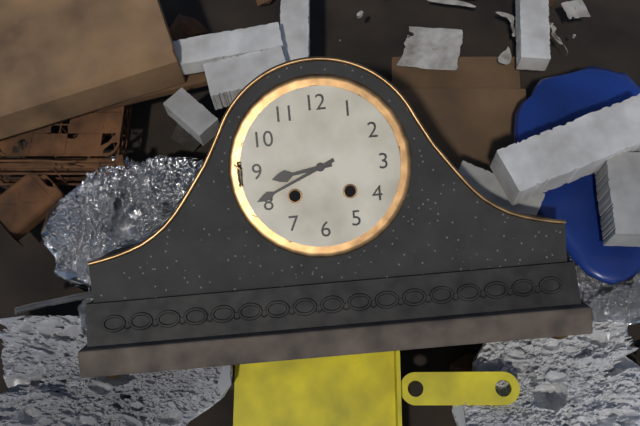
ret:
8:41
